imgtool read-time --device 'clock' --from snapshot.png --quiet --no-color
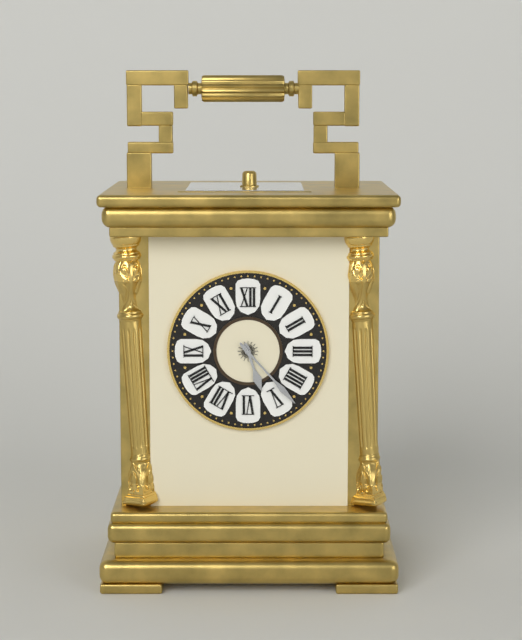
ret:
5:23
